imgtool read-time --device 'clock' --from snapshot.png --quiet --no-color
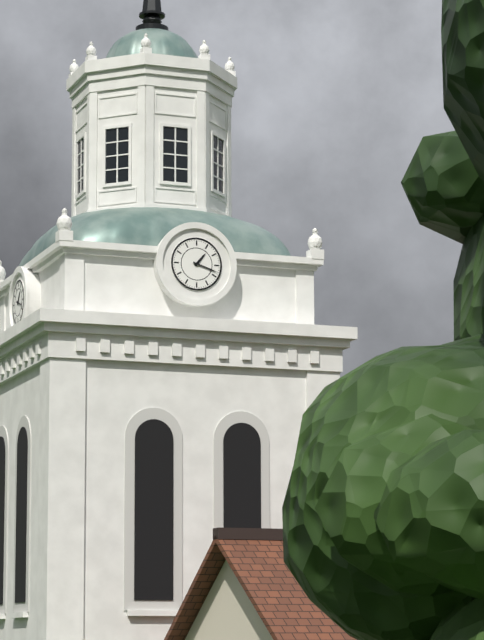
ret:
1:18
